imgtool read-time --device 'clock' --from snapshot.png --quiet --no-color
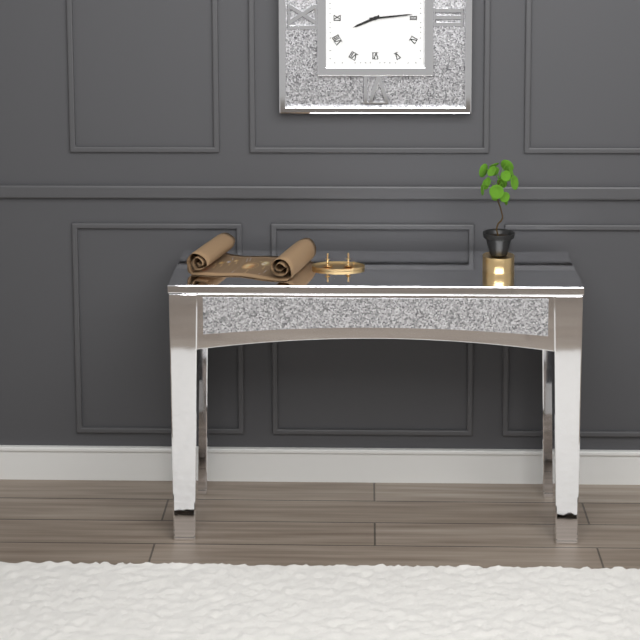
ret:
8:14
